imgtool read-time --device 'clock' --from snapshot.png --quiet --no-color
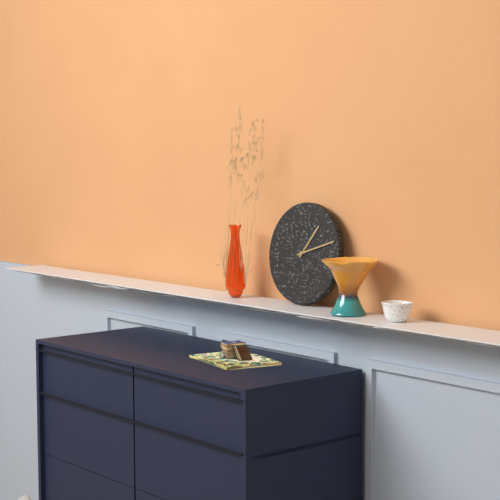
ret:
1:12
